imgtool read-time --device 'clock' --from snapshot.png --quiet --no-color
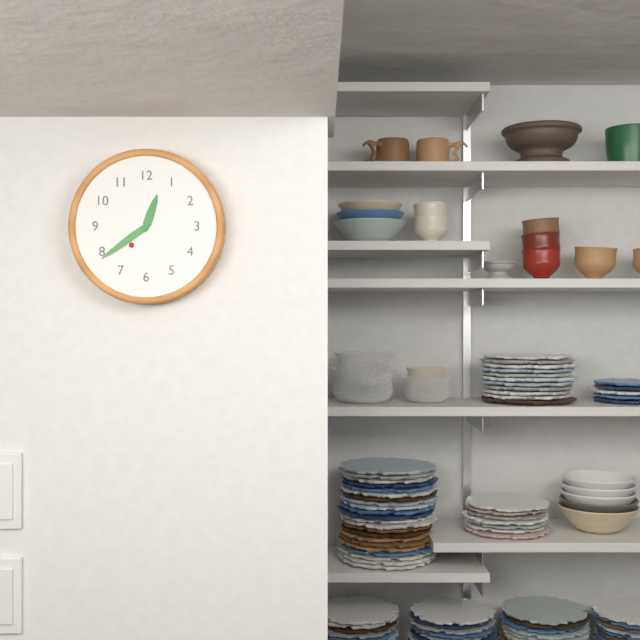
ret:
12:39
